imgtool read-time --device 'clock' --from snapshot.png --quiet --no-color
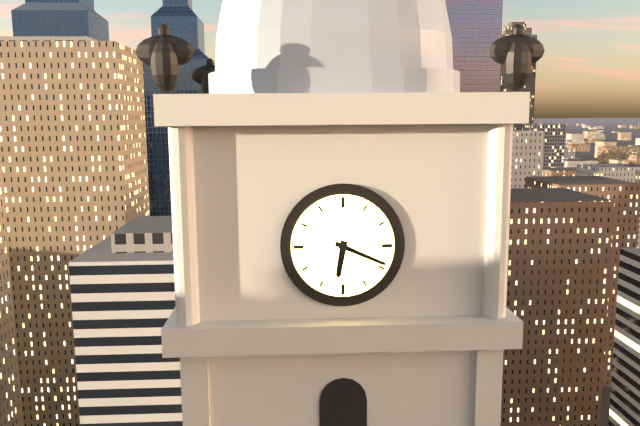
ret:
6:19
